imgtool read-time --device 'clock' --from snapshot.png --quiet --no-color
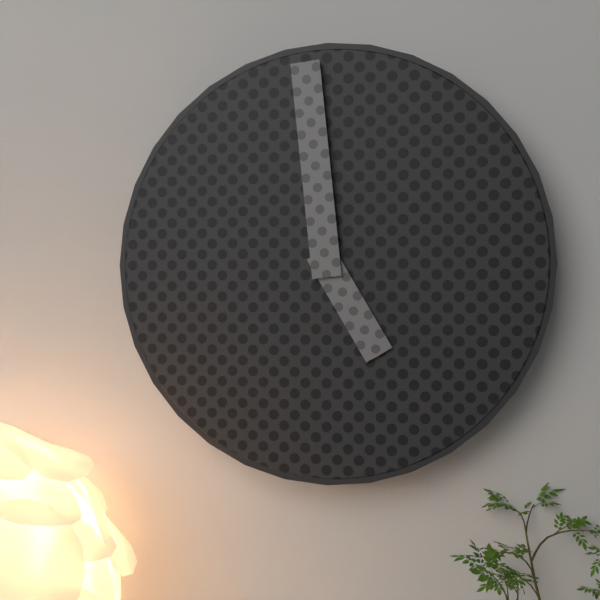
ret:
4:59
